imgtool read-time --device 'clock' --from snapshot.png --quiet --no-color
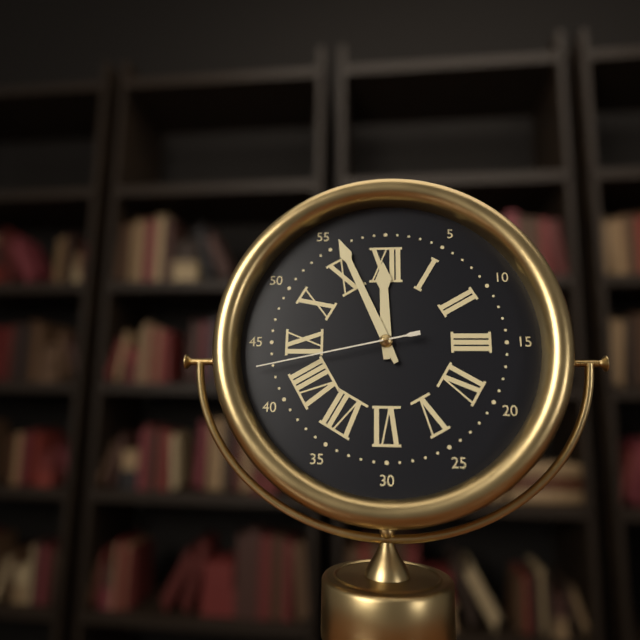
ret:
11:56:43
